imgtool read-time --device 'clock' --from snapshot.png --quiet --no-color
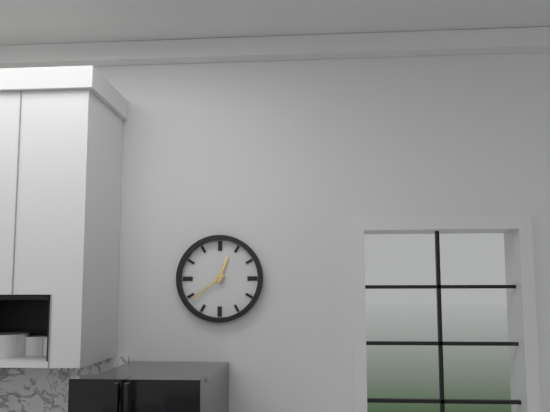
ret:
12:39
